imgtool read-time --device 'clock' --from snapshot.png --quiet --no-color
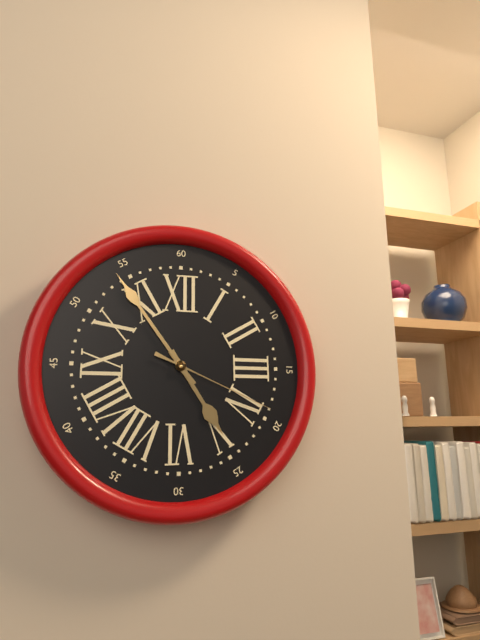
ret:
4:54:19
